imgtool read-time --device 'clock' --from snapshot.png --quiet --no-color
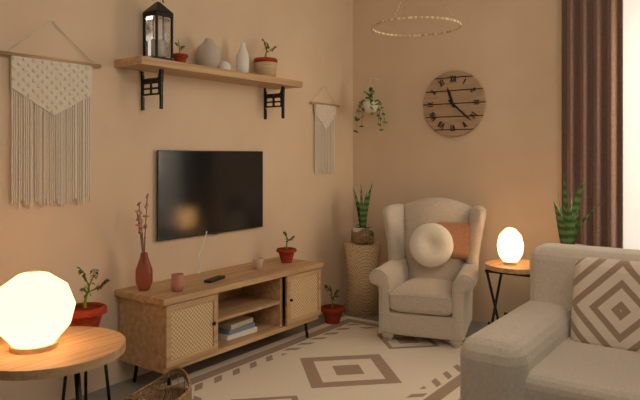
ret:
11:22
